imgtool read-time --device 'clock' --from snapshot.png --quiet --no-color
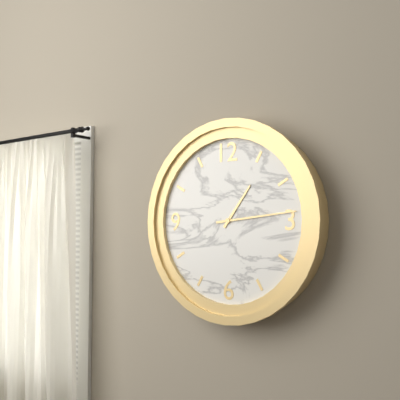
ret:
1:14
